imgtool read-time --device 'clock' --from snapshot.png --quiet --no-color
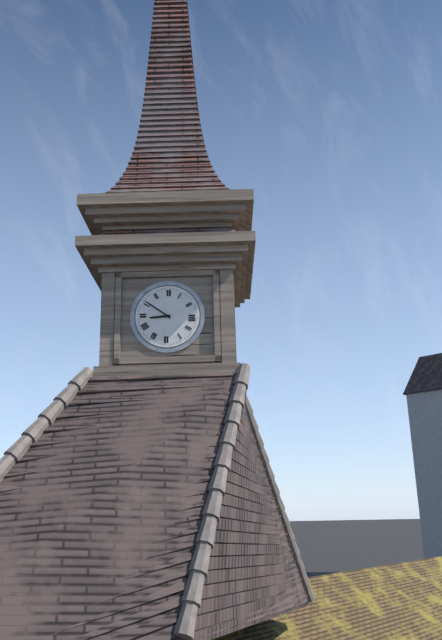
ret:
8:51
